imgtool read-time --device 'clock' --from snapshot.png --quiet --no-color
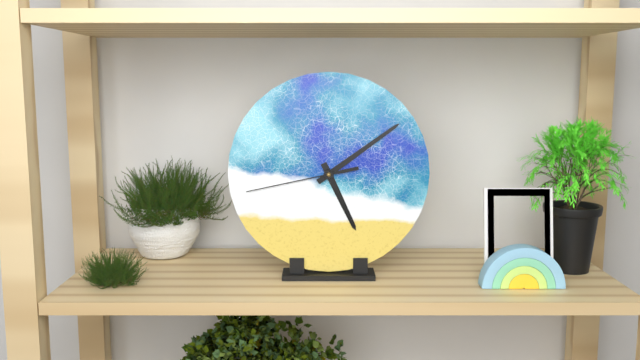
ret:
5:09:43
